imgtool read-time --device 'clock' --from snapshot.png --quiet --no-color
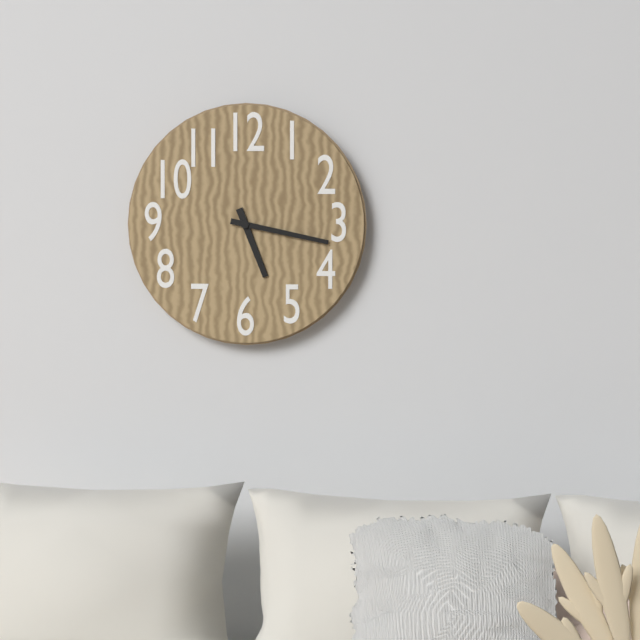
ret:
5:17
